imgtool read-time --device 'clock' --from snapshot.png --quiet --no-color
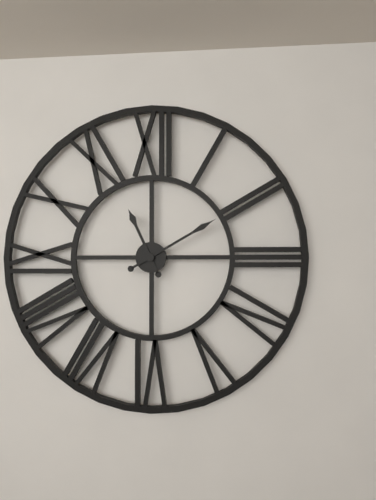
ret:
11:10
